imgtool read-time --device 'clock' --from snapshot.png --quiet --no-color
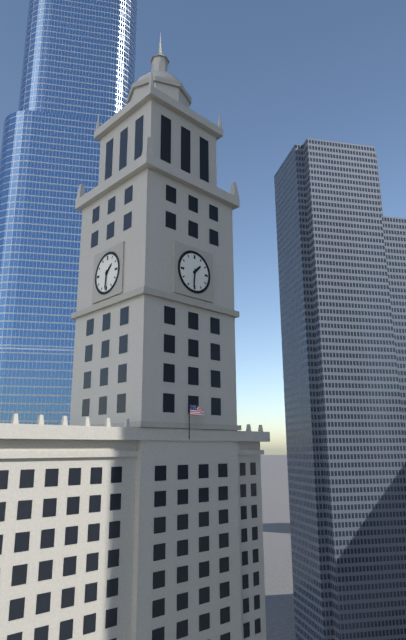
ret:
1:31
